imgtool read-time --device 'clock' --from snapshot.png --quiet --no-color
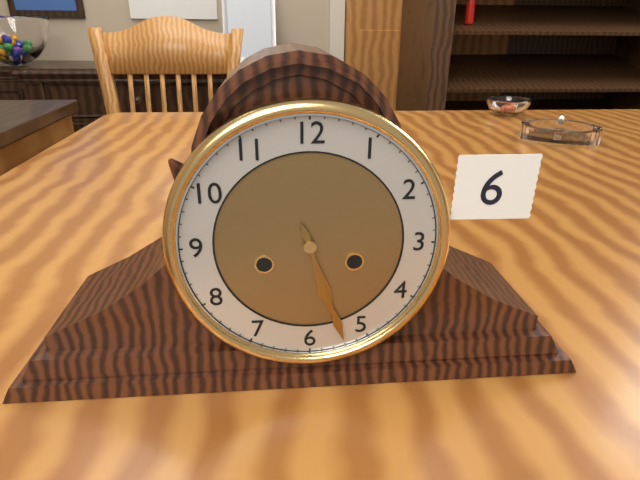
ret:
5:27
